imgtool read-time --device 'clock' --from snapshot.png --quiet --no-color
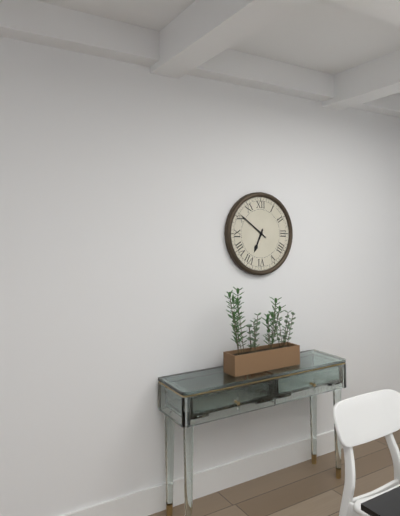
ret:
6:51
